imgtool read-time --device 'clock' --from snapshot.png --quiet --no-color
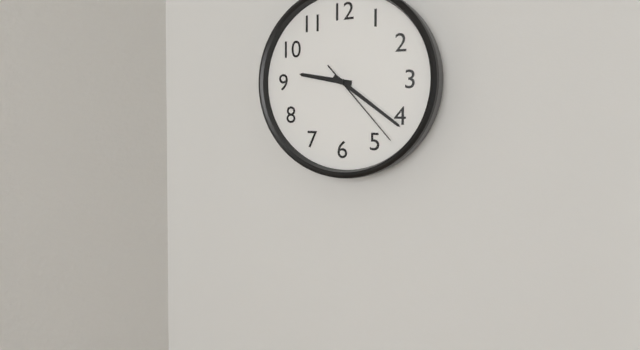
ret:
9:21:23
